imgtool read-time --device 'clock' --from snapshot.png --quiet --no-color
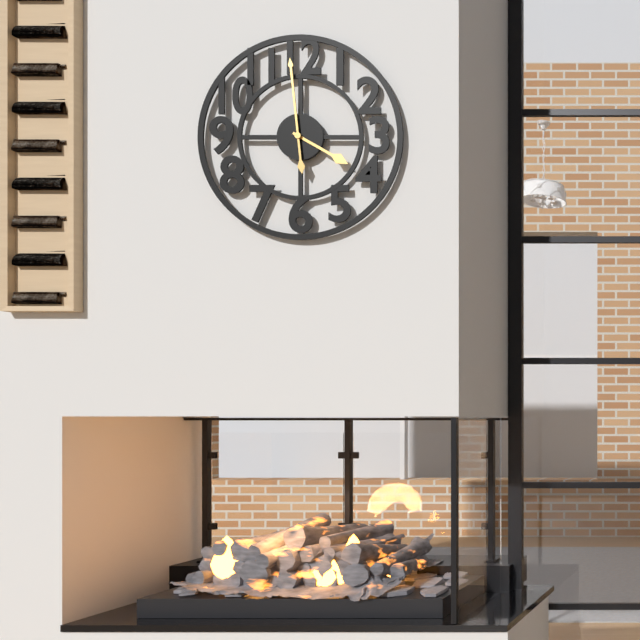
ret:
3:59
